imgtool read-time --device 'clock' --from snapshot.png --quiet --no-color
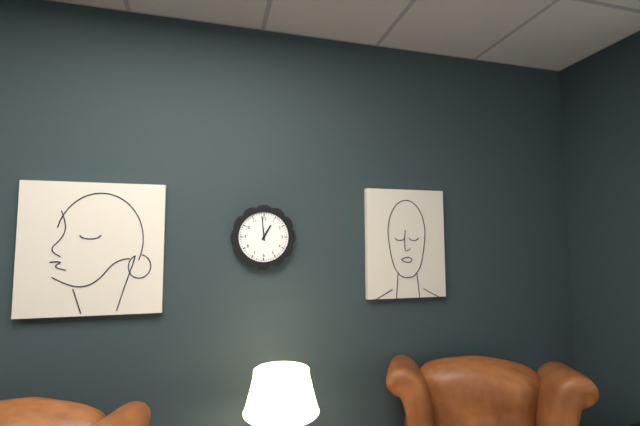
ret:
12:59
